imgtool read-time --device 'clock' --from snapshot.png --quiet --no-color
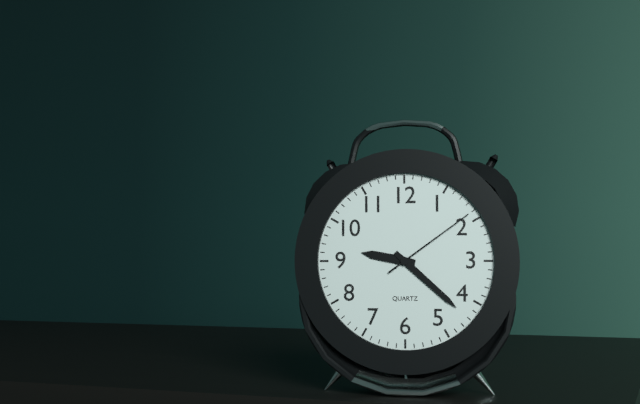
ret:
9:22:09
